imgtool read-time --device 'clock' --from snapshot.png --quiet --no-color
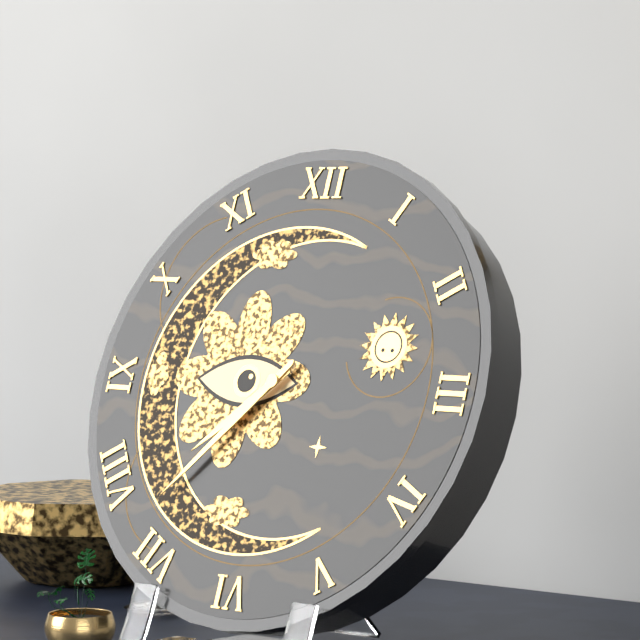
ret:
7:37
